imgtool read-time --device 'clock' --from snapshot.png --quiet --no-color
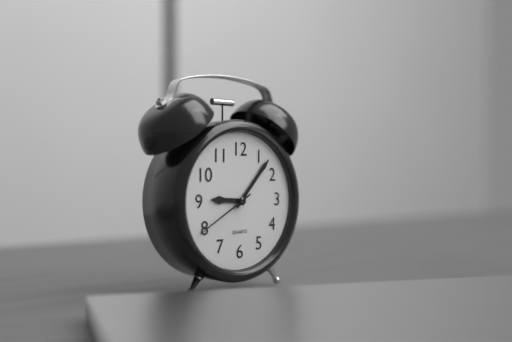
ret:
9:07:40
